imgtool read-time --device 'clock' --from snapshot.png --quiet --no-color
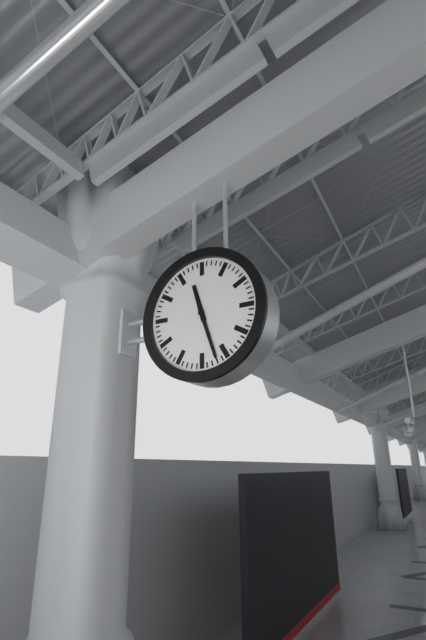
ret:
11:27
